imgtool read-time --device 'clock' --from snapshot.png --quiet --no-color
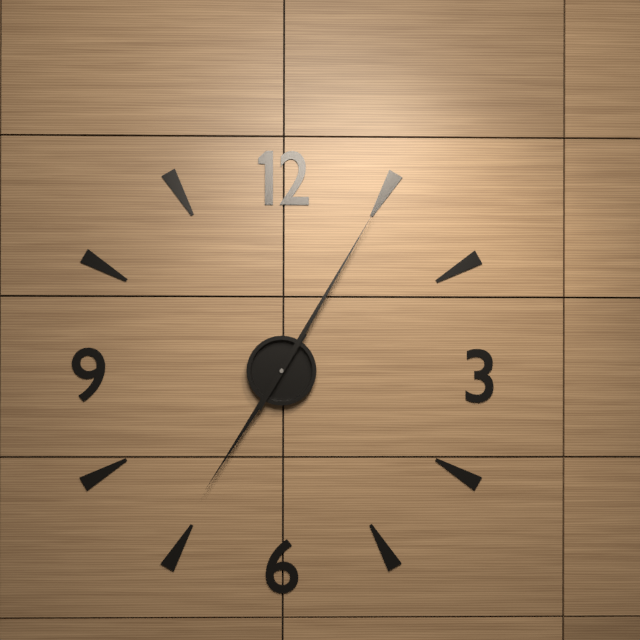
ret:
7:05
